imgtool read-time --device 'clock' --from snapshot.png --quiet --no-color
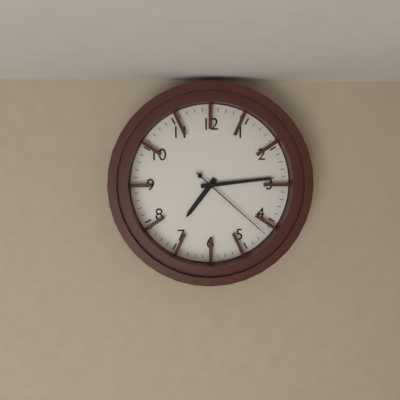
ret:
7:14:22
